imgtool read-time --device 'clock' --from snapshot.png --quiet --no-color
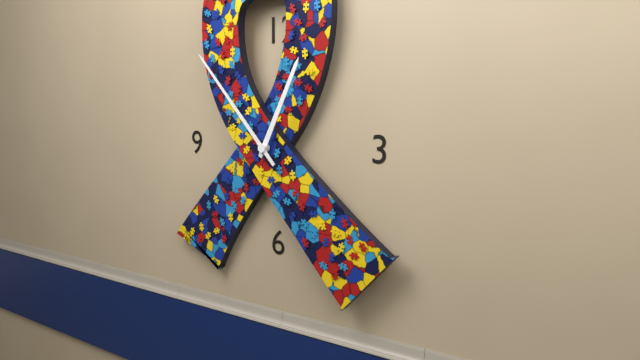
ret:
12:53
